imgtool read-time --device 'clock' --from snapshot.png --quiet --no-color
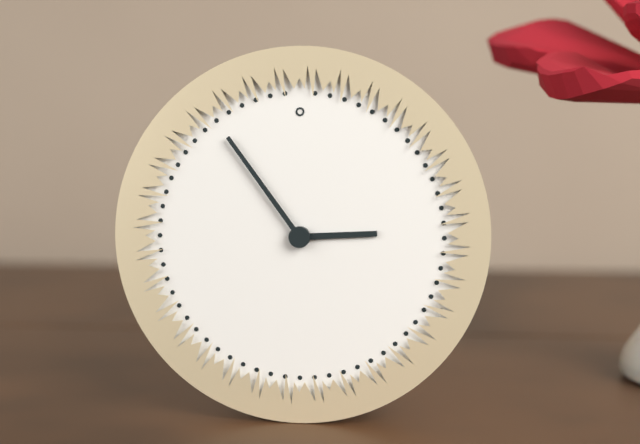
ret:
2:54
